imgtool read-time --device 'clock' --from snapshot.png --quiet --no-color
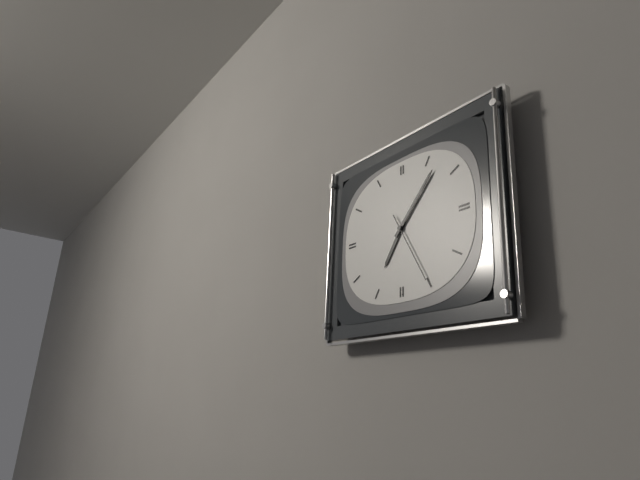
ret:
7:07:25
